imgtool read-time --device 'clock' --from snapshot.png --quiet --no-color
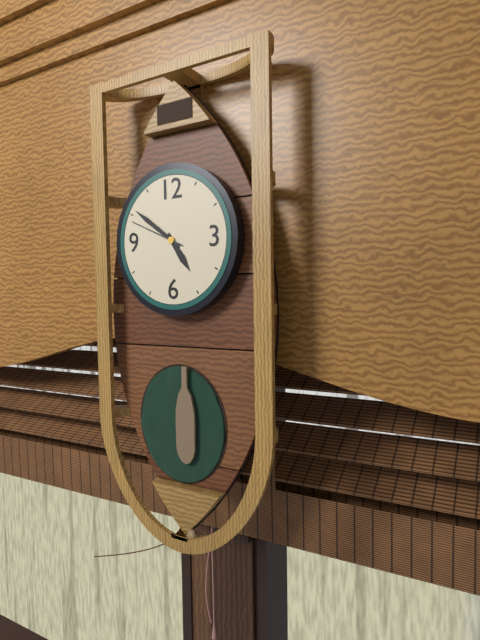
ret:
4:51:49
